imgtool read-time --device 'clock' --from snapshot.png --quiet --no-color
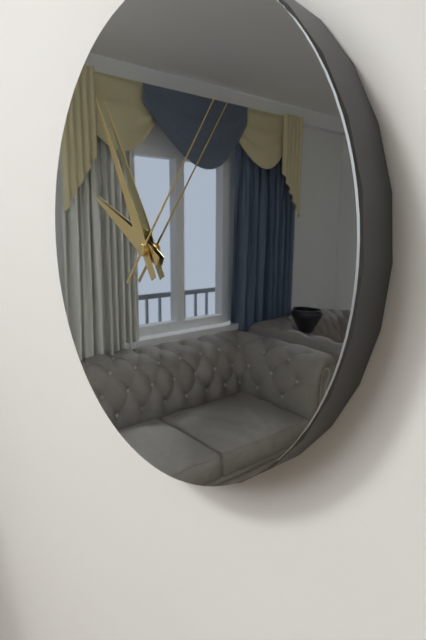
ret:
9:55:07
